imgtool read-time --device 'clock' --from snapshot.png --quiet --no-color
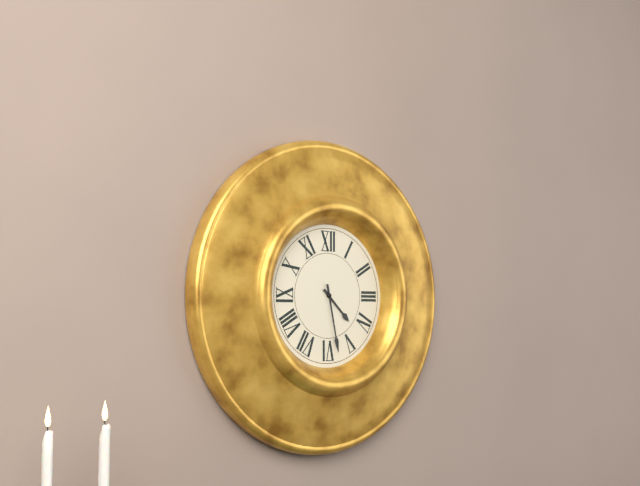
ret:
4:28
